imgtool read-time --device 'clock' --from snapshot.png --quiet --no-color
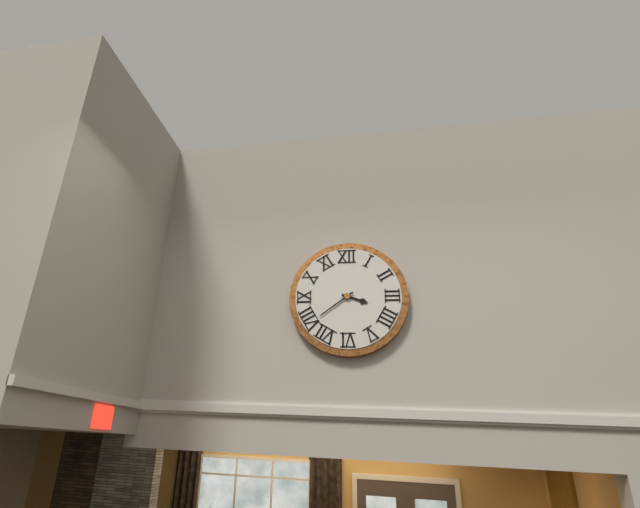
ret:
3:39
